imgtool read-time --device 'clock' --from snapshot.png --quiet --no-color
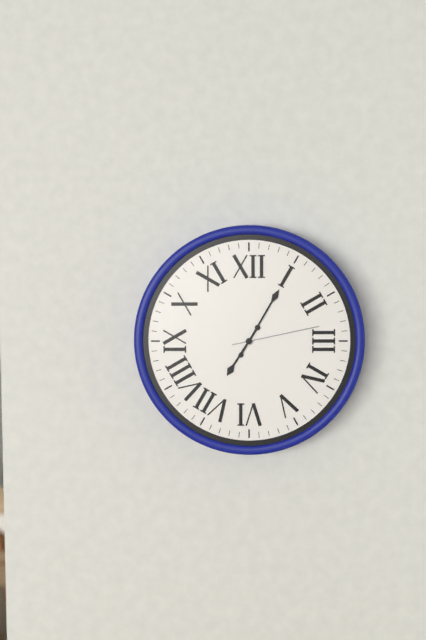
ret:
7:05:13
